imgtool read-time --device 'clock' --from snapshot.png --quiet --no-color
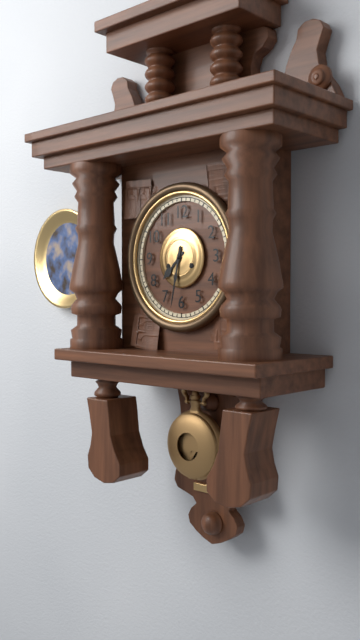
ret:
7:32
